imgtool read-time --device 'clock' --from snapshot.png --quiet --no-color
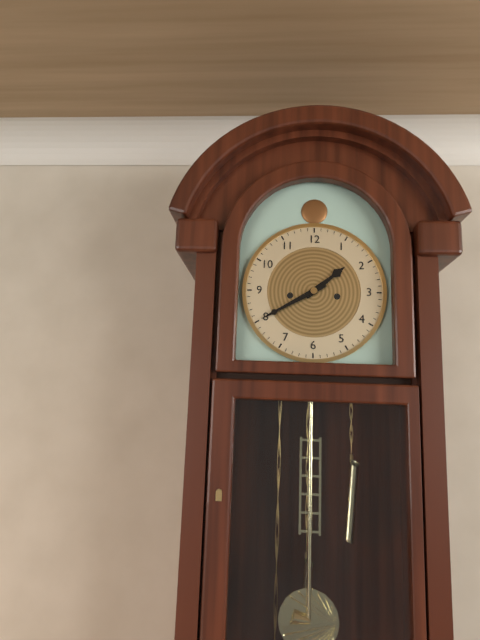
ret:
1:40
